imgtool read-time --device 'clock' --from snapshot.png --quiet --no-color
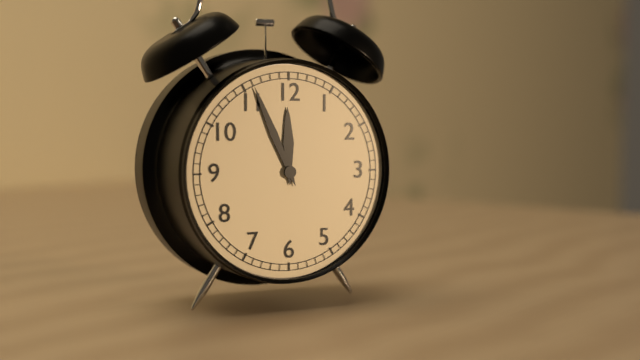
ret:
11:56
